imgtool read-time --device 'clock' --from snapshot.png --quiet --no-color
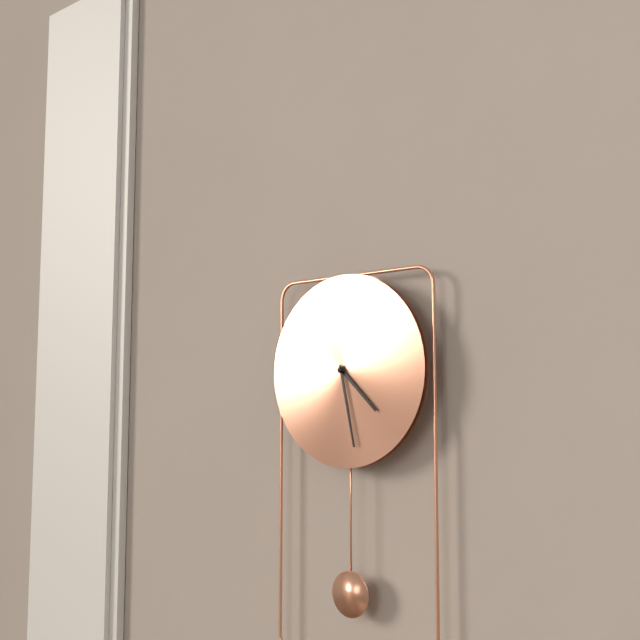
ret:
4:28
